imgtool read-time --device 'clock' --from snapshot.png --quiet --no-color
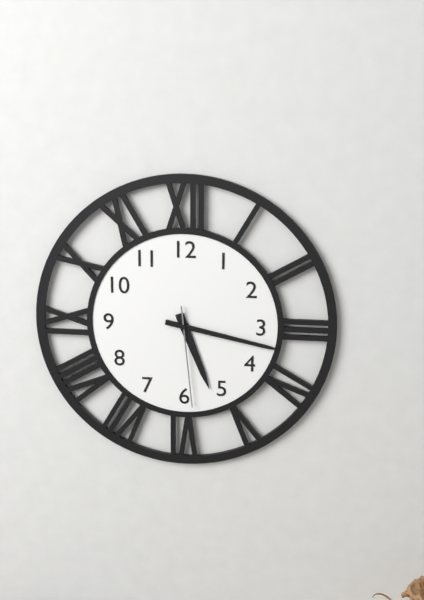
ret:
5:17:29
